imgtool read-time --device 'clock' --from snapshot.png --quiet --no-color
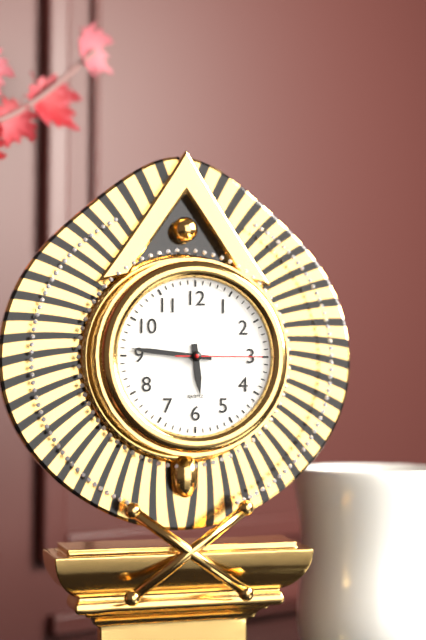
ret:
5:46:15
